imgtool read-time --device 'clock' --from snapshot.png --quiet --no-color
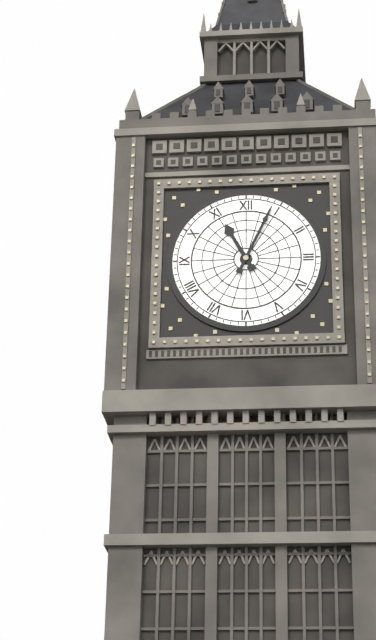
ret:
11:04
